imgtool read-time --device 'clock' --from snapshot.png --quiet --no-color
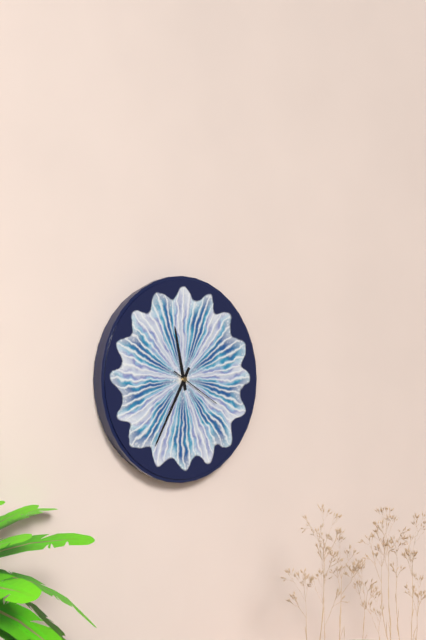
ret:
11:35
